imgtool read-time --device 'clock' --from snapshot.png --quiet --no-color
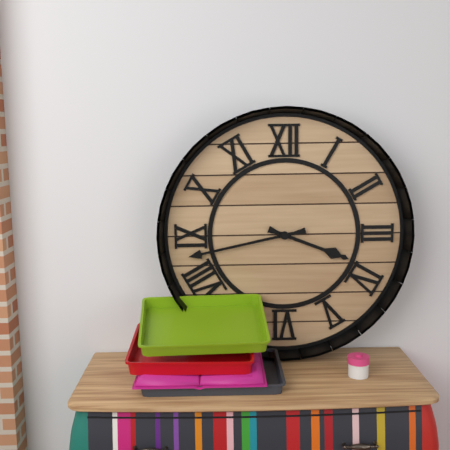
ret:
3:43
